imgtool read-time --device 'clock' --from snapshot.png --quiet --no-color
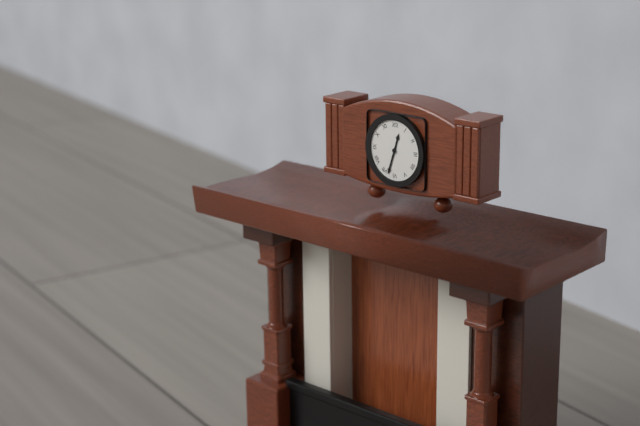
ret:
12:33
